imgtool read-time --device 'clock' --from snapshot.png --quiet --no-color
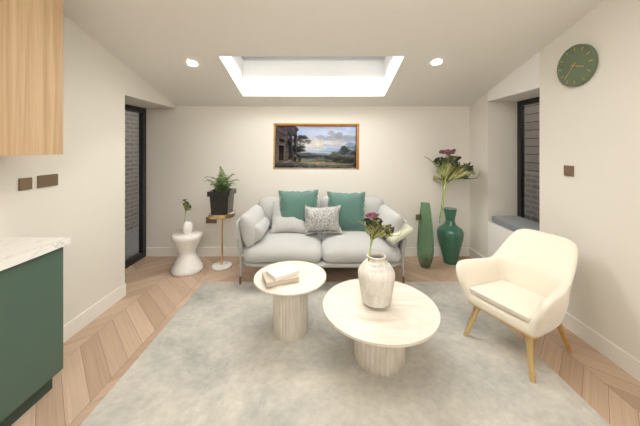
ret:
3:37
